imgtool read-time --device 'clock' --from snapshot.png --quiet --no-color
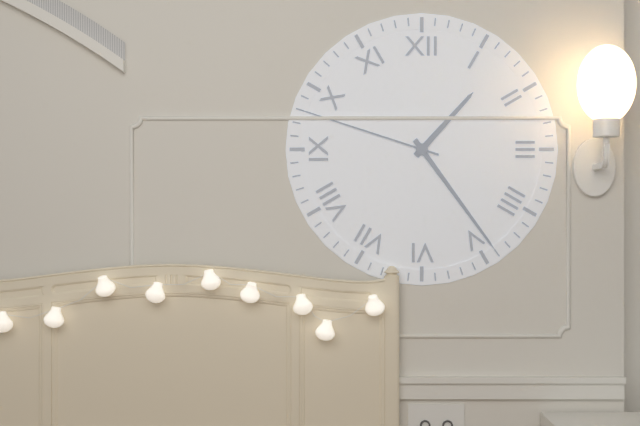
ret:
1:24:48
